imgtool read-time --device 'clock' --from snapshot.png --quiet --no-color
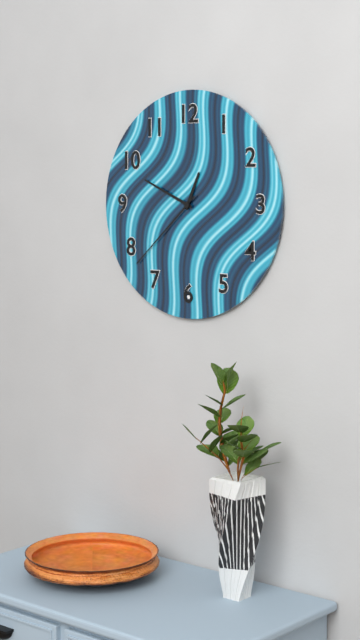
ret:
12:49:38
